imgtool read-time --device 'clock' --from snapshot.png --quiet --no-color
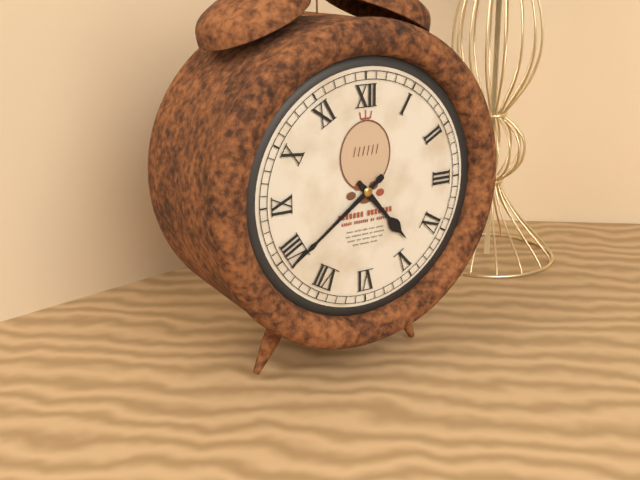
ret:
4:39
